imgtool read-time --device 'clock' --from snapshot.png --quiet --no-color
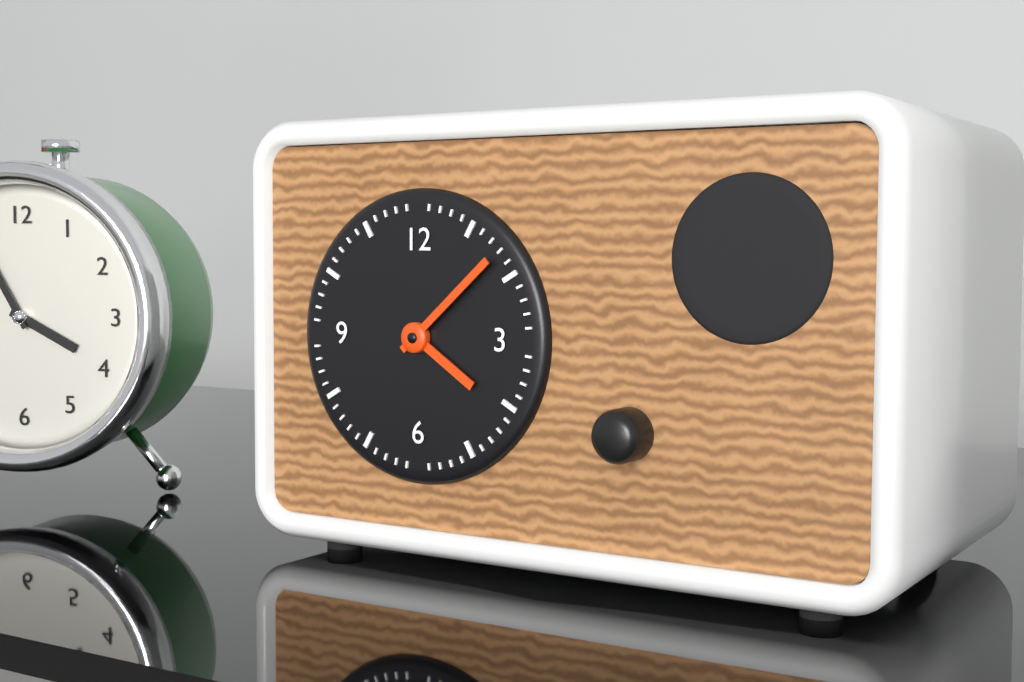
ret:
4:08
